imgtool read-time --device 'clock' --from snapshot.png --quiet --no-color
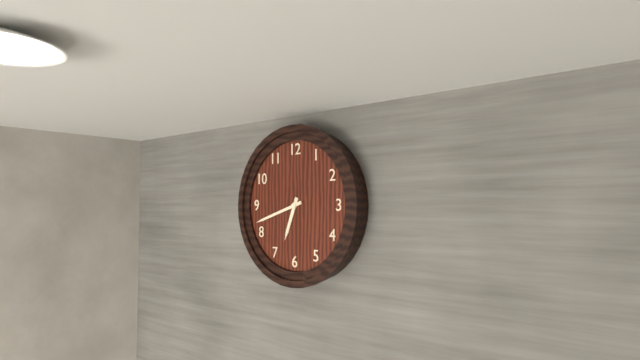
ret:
6:42
